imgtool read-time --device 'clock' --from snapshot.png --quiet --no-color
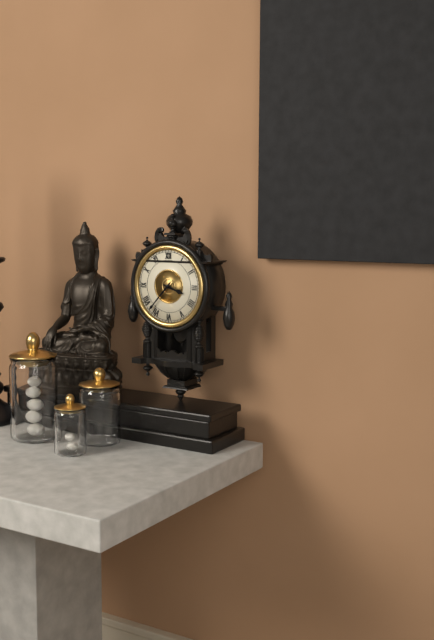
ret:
3:37
